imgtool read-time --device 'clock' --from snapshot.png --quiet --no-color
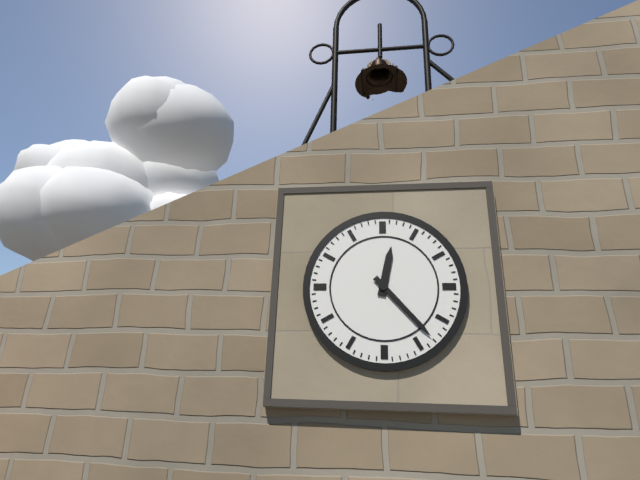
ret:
12:23
